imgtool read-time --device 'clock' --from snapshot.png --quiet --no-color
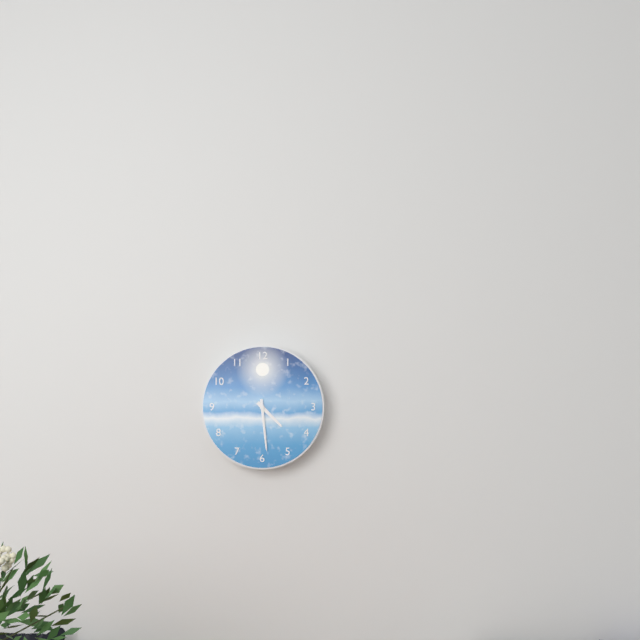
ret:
4:29
